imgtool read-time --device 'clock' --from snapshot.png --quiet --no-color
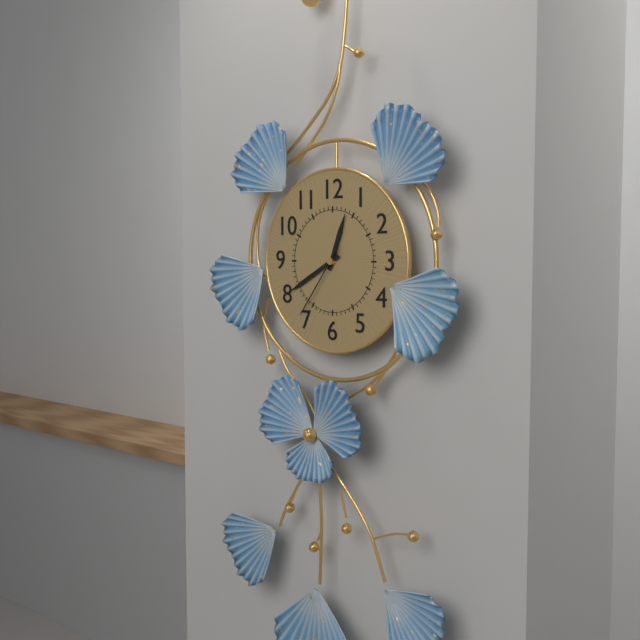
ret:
12:40:36
